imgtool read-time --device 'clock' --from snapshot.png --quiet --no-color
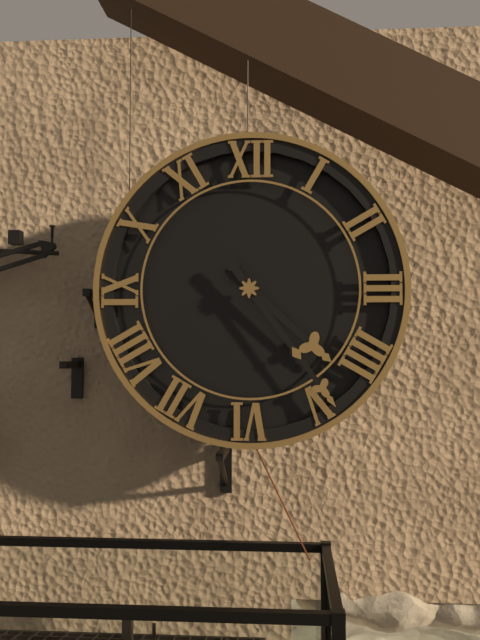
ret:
4:24
